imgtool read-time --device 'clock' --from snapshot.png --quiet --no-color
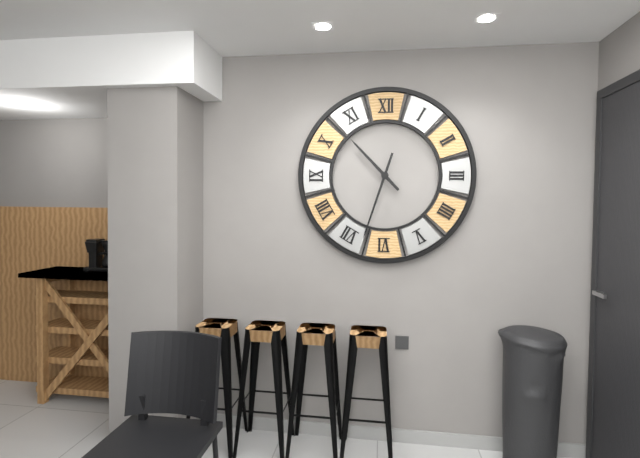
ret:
10:33
